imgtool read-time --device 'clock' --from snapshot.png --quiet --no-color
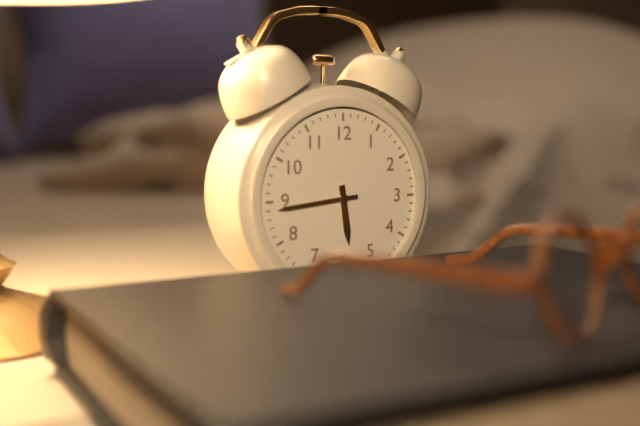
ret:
5:44
